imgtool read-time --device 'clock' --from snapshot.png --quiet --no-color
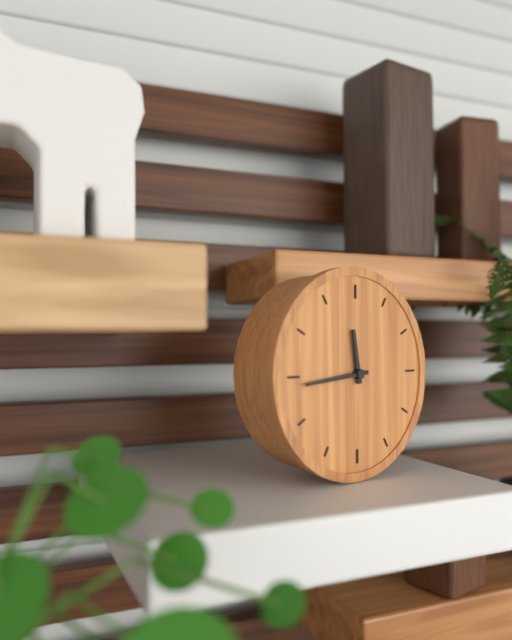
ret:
11:44
